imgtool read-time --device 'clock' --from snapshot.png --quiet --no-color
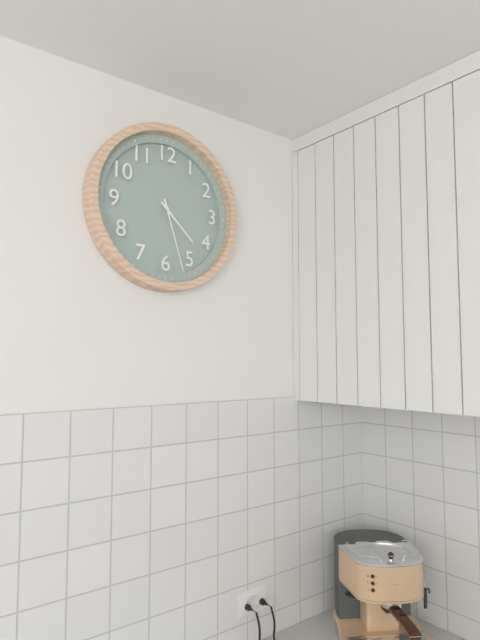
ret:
4:27
